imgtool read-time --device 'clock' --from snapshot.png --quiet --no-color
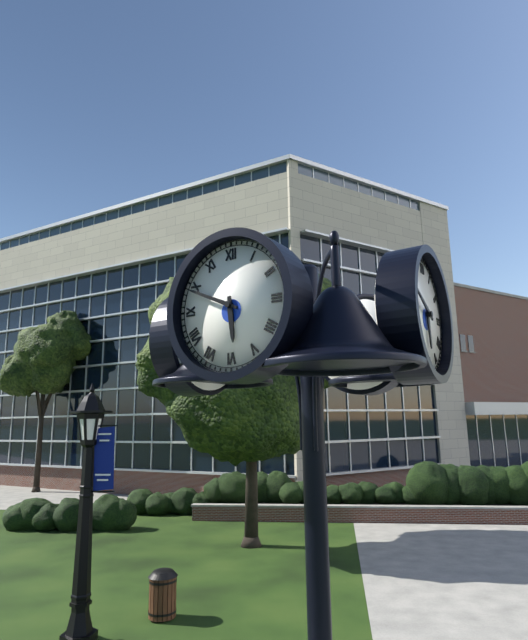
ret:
5:49
